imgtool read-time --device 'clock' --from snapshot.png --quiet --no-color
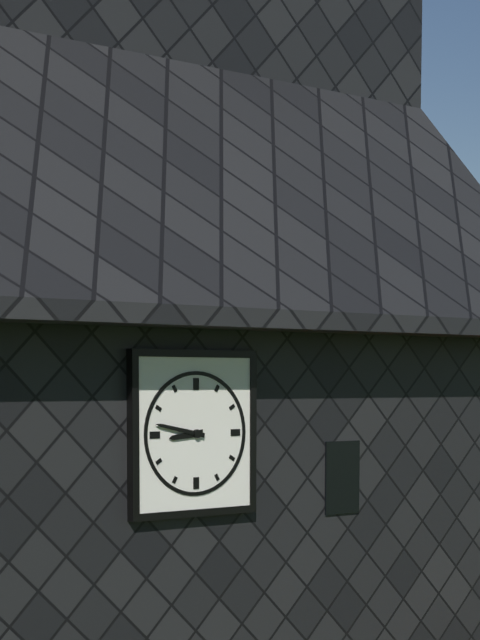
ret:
8:47
